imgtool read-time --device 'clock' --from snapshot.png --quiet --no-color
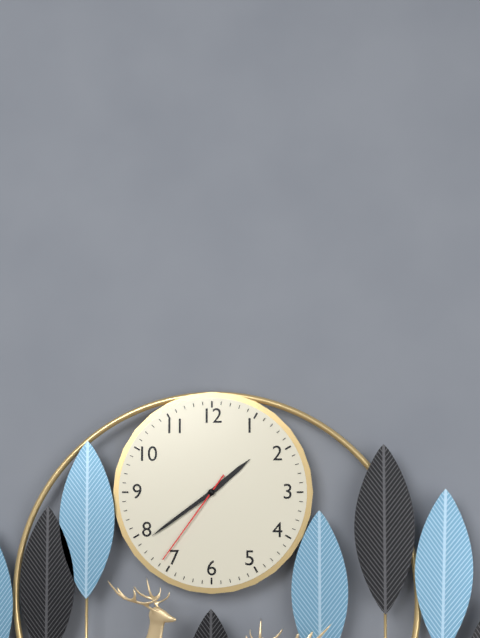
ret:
1:39:36
